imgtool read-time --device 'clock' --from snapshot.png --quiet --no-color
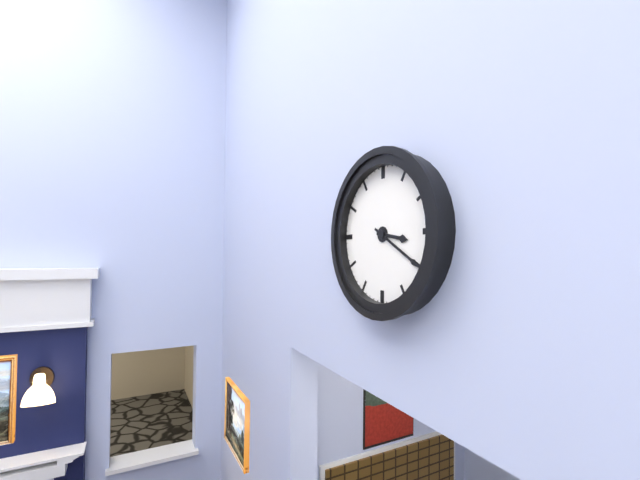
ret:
3:20
